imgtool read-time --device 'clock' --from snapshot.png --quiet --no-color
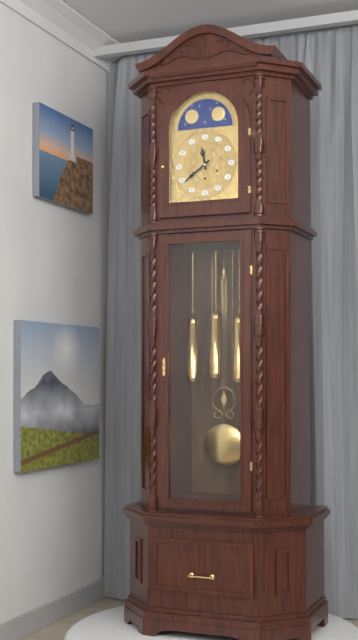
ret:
11:39
